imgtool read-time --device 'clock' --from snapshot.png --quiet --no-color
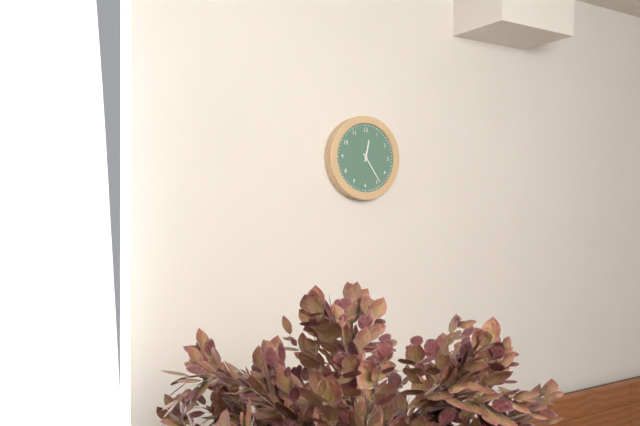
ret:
12:24
